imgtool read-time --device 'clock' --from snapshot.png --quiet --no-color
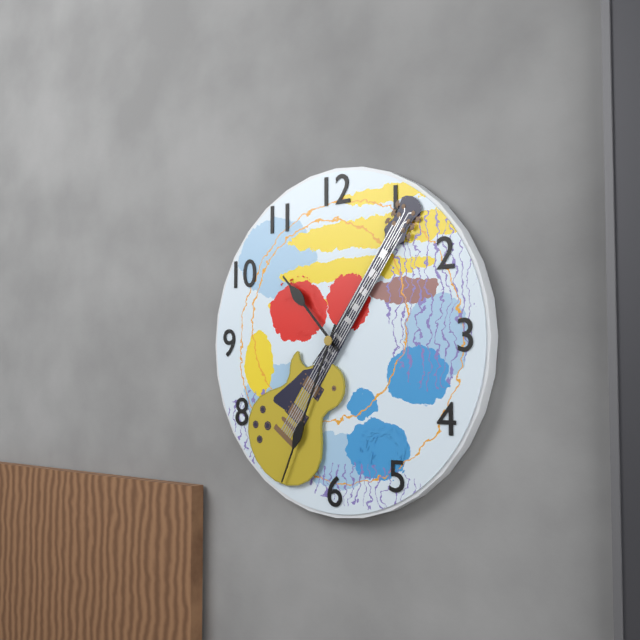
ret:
10:34:07
